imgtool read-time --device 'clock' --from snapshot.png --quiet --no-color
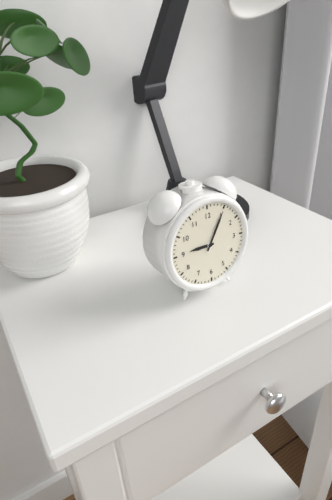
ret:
9:05
